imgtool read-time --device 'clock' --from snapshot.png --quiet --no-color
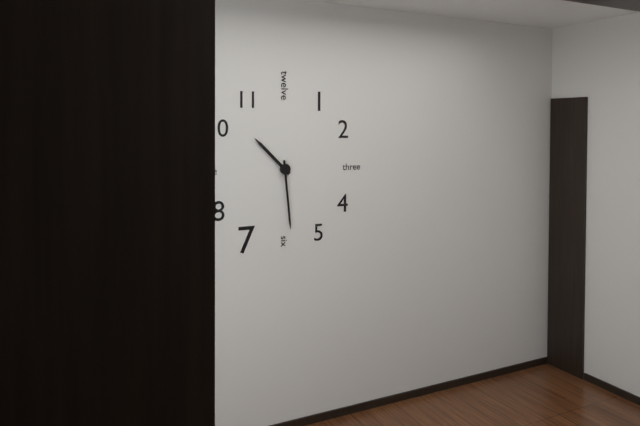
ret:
10:29
